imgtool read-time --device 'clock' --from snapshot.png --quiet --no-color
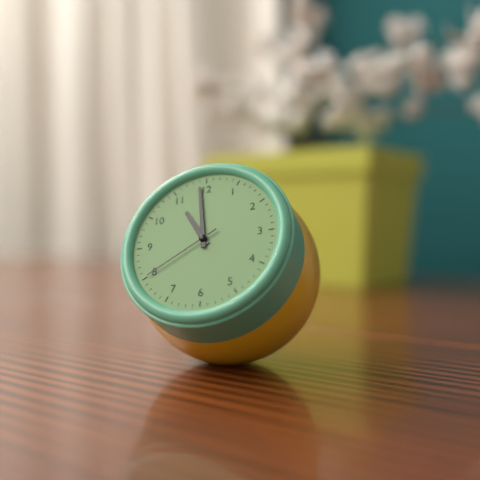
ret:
10:59:40
